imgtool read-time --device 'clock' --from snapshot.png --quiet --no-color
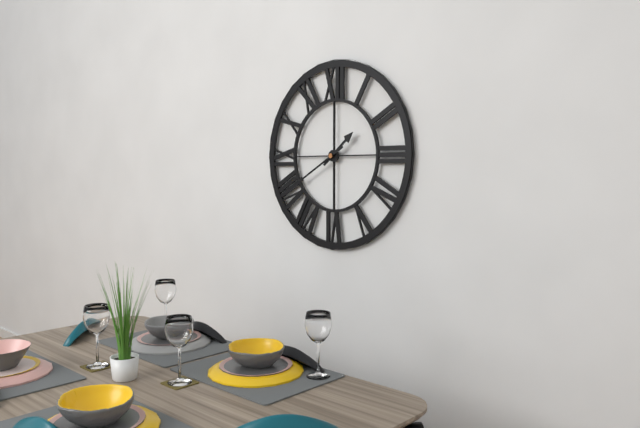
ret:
1:40
